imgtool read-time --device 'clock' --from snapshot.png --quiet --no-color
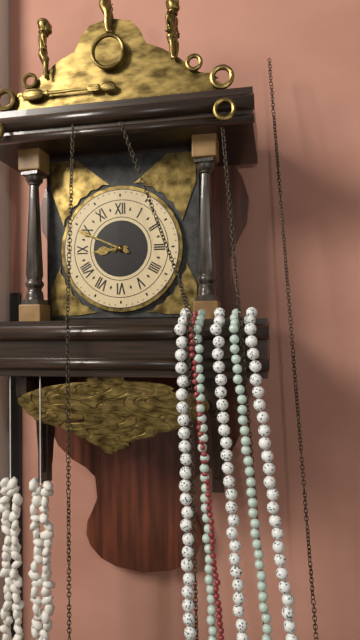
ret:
8:49
